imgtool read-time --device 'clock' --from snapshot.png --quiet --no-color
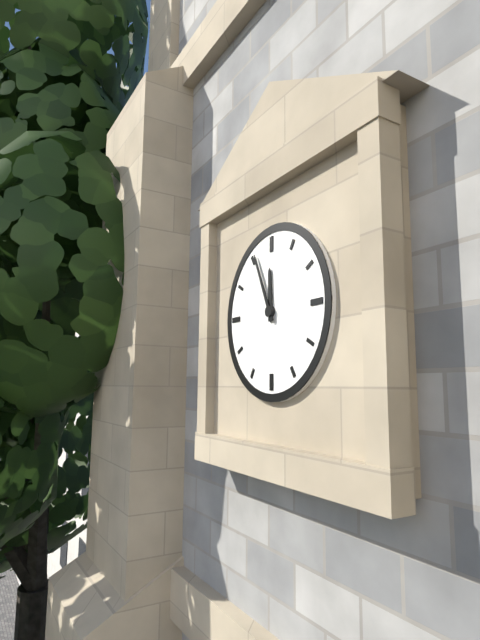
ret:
11:56
